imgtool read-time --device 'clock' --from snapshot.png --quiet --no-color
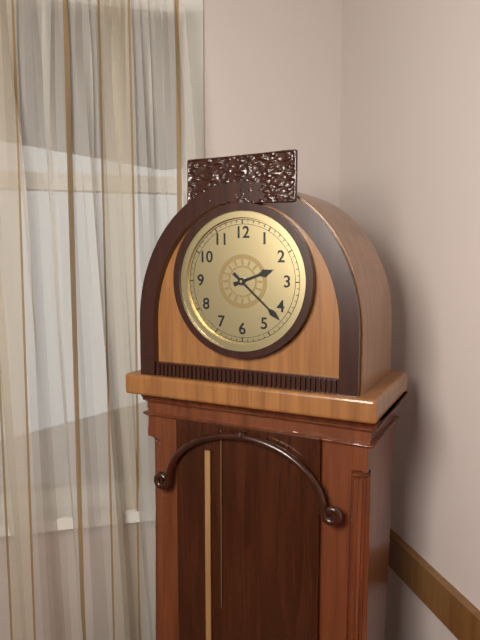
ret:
2:22
